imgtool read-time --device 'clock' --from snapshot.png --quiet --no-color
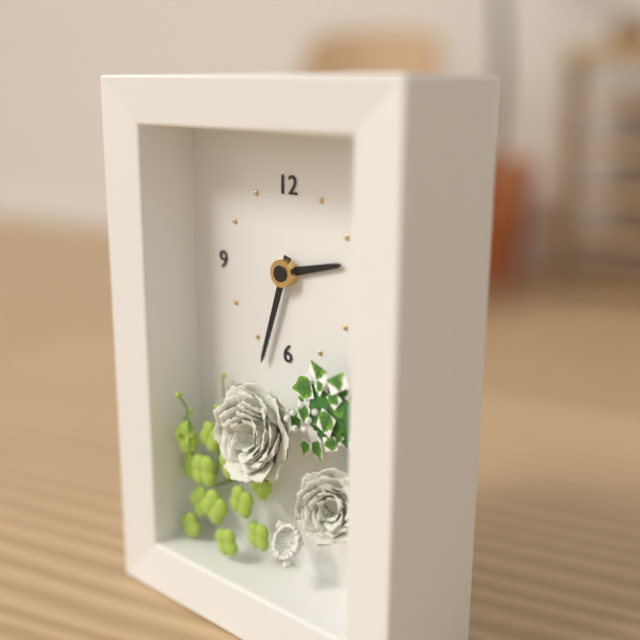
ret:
2:33
